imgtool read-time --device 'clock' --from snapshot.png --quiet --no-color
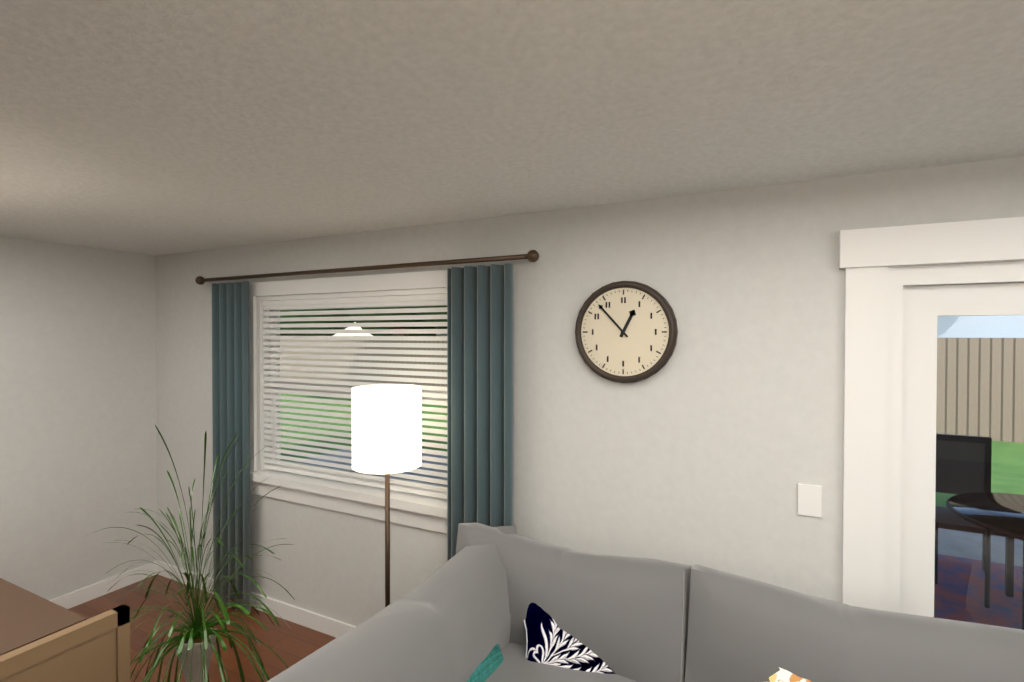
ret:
12:53
